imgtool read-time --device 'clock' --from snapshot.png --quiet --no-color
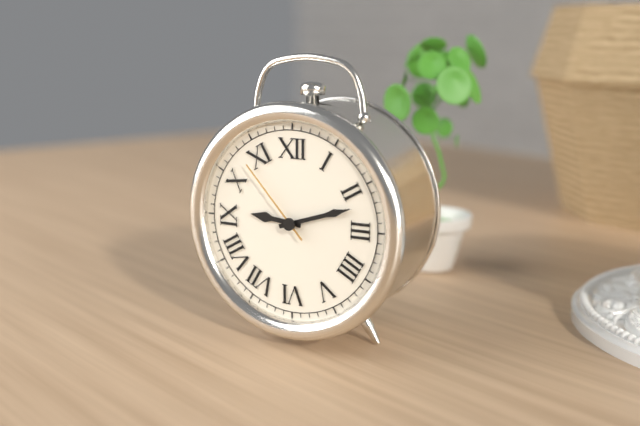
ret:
9:12:53
